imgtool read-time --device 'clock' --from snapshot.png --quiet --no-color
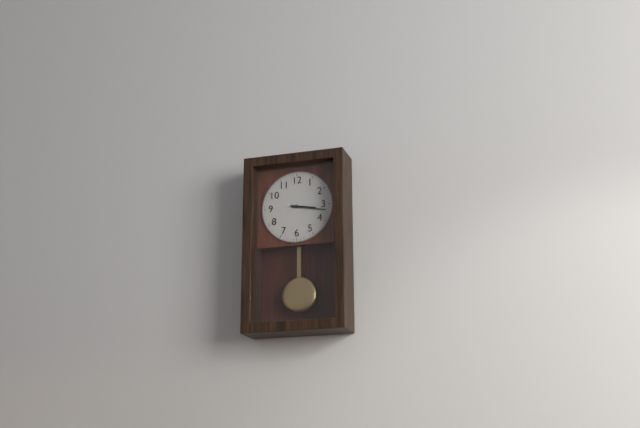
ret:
3:17
